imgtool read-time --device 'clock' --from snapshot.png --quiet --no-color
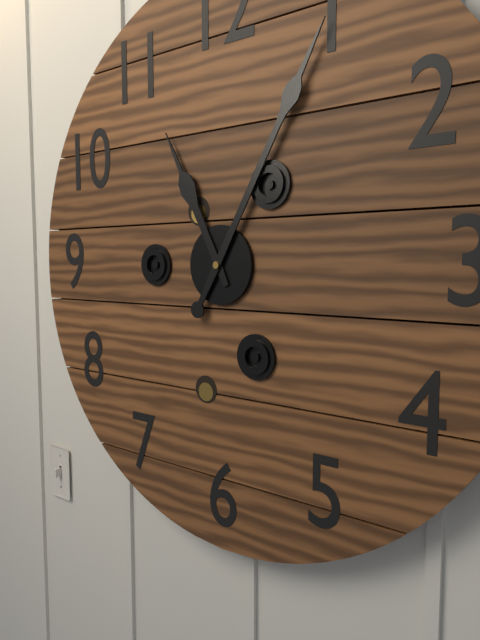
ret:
11:05
